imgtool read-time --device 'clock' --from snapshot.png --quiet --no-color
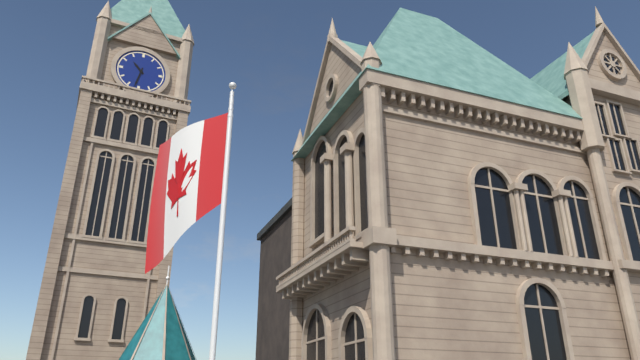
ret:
10:32
